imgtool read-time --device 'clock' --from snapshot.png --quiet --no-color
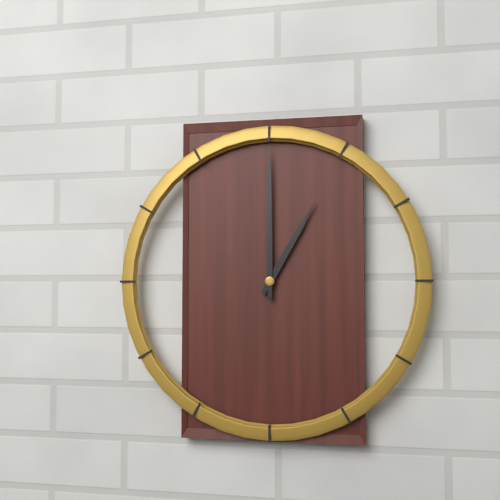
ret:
1:00
